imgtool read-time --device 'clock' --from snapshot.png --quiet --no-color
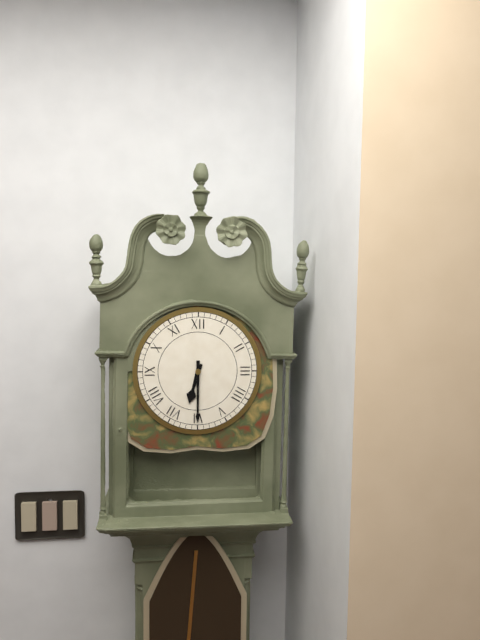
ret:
6:30
